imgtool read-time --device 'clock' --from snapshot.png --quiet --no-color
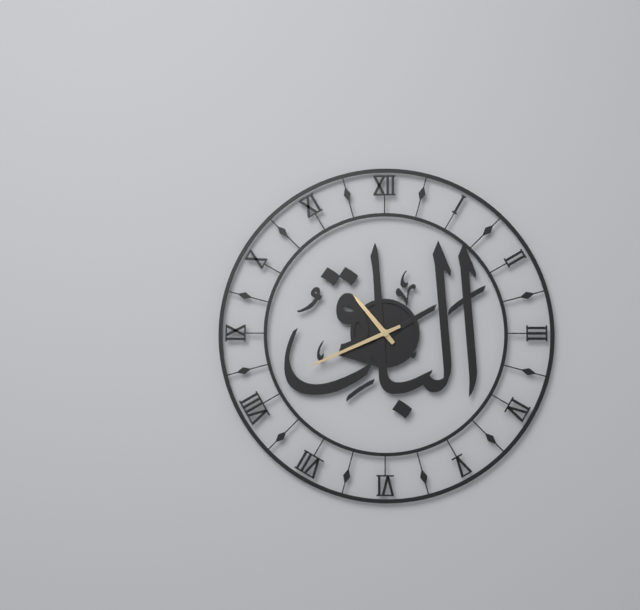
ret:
10:41
